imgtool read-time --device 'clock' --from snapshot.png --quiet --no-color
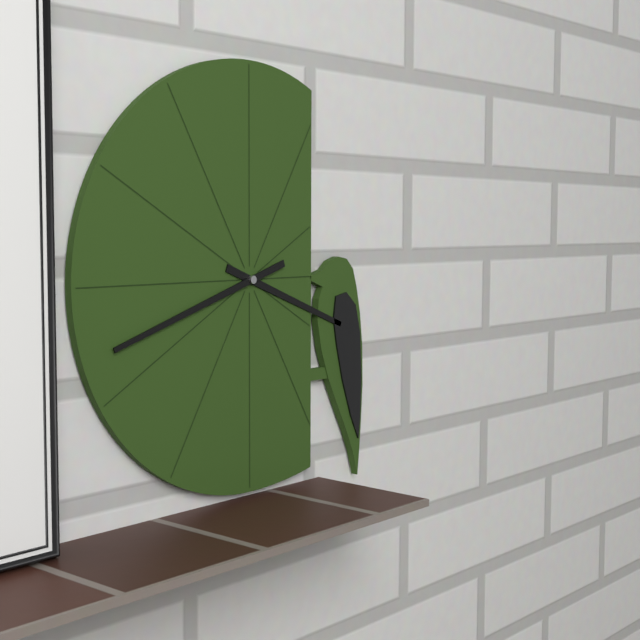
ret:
3:42
